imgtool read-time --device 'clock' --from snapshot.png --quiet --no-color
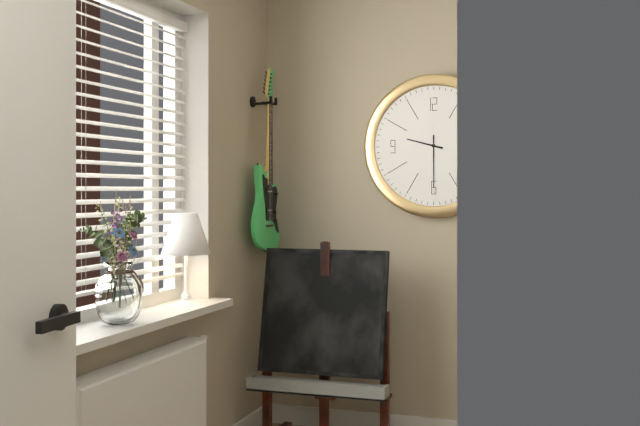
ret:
9:30
